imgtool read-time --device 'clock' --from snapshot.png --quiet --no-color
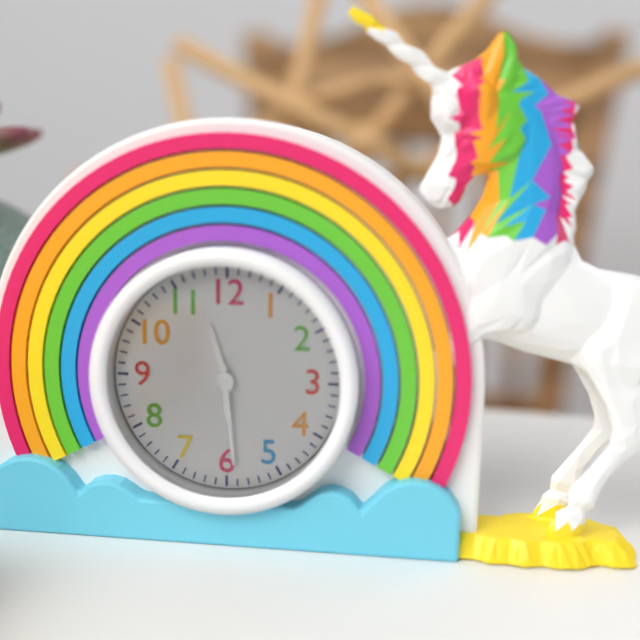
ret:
11:29
